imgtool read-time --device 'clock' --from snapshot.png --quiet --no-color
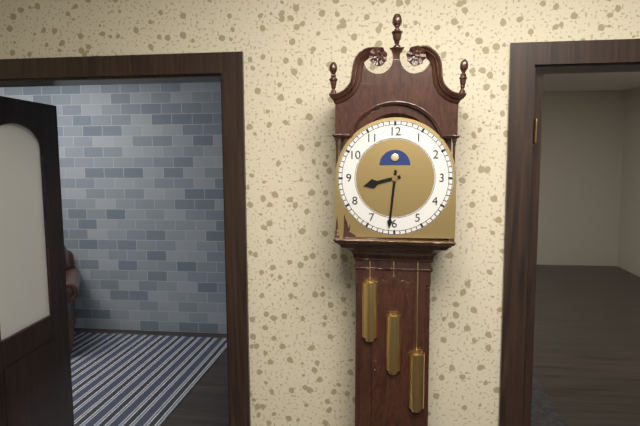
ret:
8:31
